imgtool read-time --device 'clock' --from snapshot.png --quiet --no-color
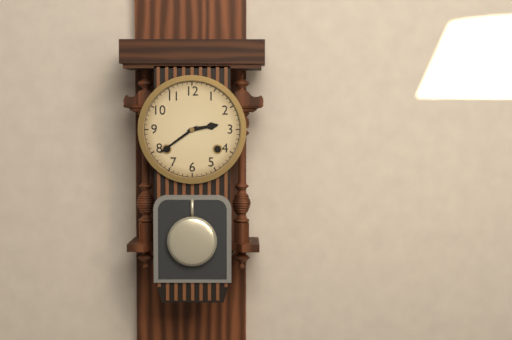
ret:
2:39
